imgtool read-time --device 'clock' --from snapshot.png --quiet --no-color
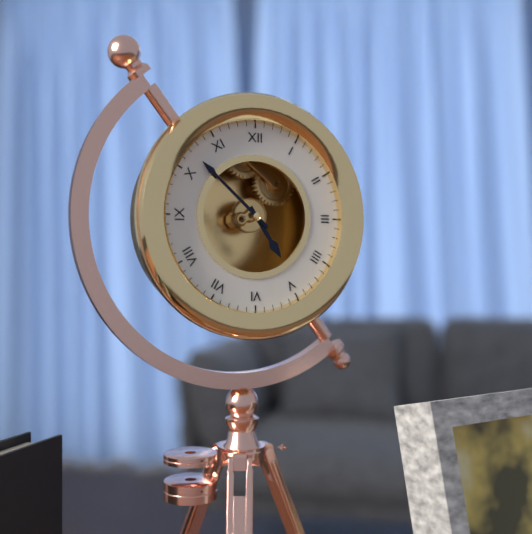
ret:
4:52
